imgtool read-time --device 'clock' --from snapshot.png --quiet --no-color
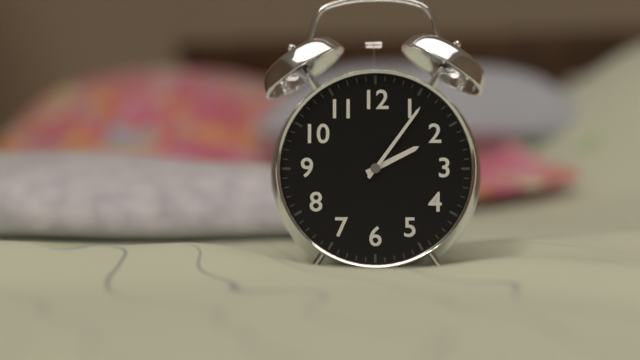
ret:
2:06
